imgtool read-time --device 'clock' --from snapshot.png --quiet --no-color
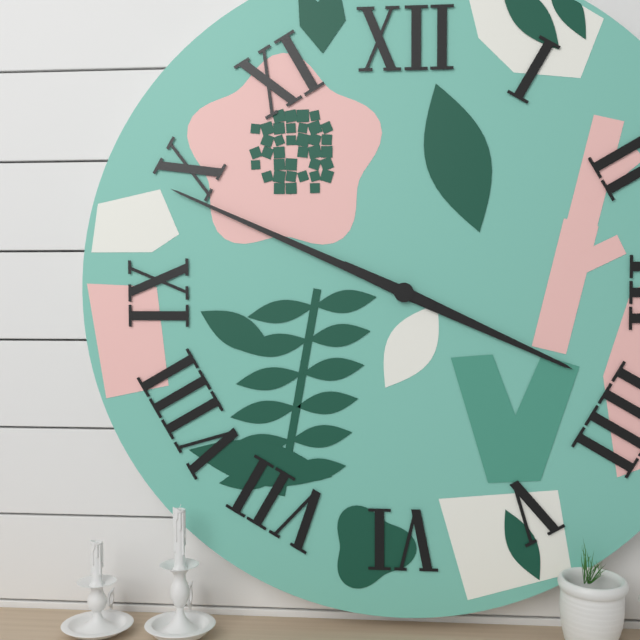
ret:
3:49
